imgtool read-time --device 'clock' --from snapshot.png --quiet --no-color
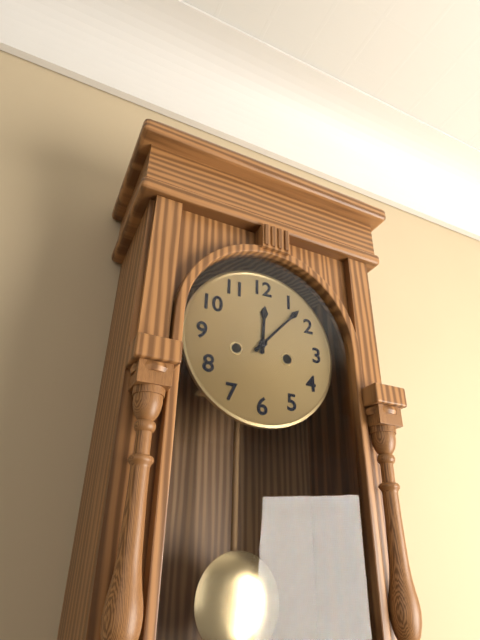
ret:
12:07
